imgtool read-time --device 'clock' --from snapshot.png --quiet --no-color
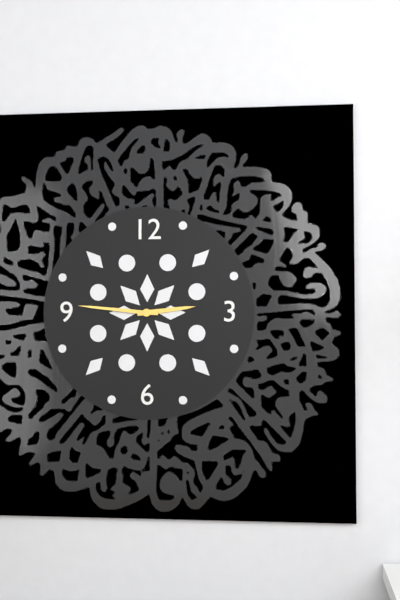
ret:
2:46
